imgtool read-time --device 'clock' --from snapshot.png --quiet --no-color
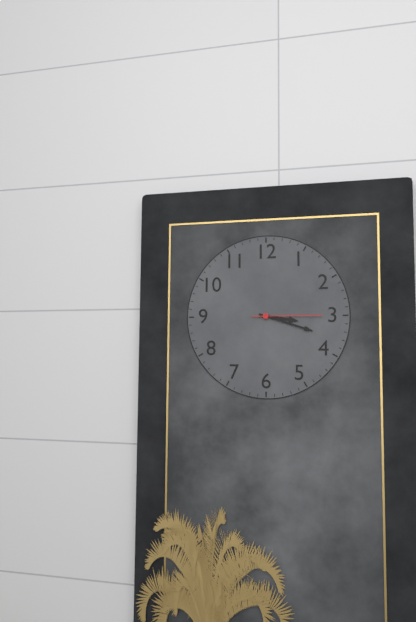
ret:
3:18:15
